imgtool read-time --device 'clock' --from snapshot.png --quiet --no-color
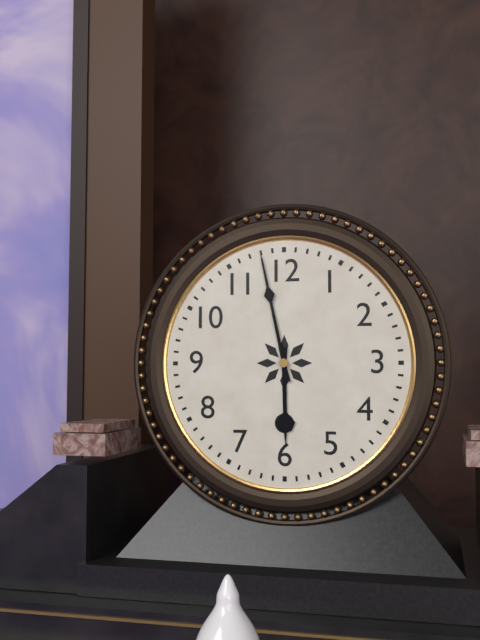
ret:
5:58
